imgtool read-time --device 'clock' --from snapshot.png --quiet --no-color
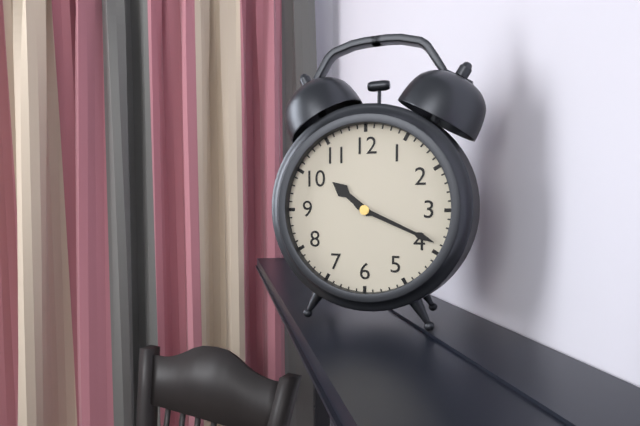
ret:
10:19
